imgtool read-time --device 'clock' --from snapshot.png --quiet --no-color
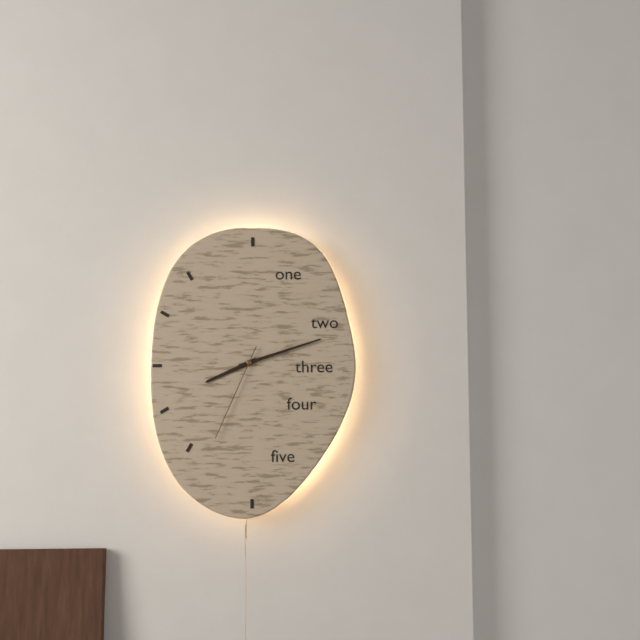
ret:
8:12:34
